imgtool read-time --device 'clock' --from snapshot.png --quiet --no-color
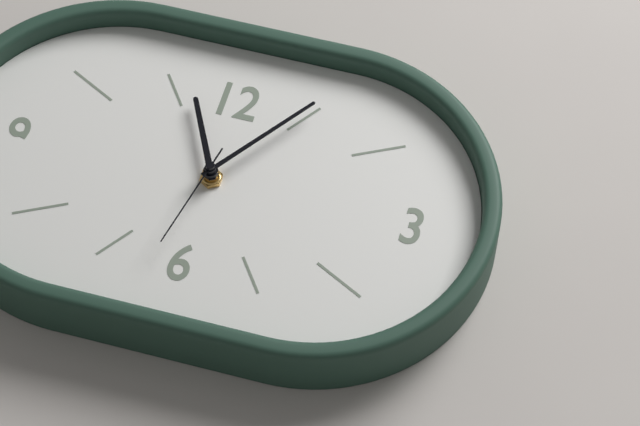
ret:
11:06:32
